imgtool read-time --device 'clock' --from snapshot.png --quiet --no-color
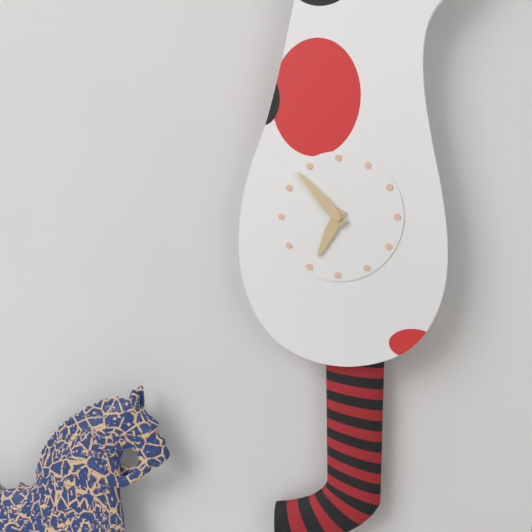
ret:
6:53
